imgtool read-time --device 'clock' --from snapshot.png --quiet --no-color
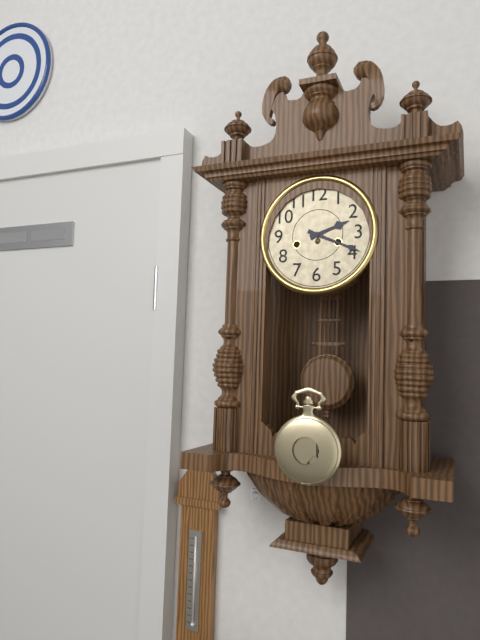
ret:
2:19
